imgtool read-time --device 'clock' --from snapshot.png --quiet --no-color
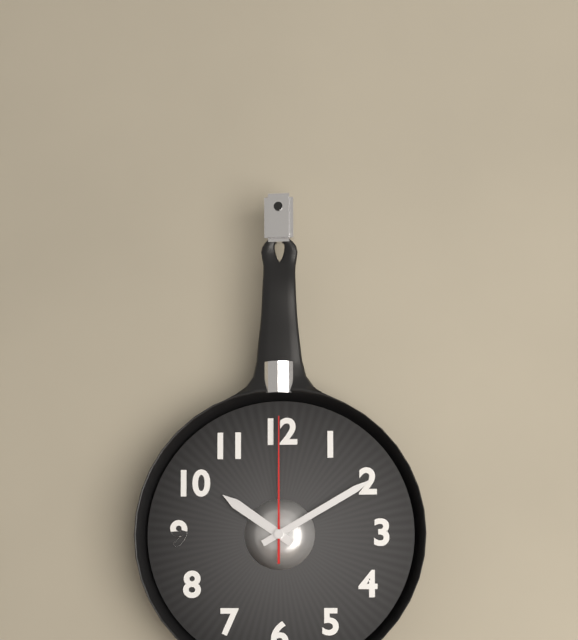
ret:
10:10:00
